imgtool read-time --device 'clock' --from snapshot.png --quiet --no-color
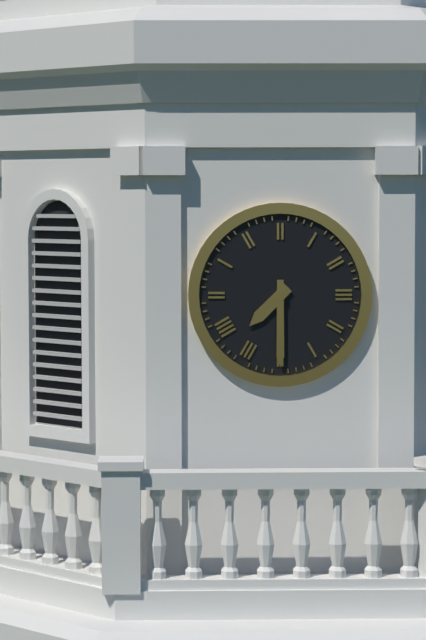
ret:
7:30
